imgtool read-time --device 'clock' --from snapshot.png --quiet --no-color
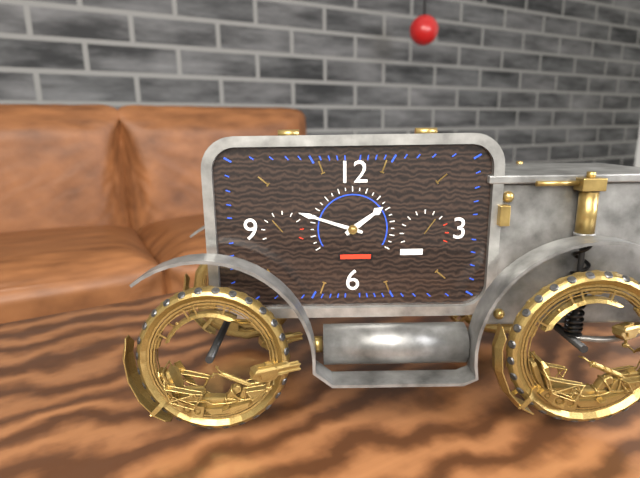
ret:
1:48
